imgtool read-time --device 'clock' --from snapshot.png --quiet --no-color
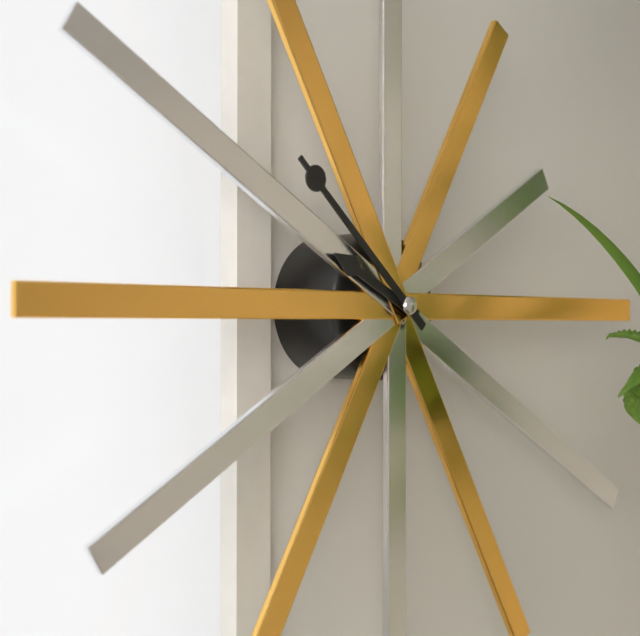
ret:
9:52
